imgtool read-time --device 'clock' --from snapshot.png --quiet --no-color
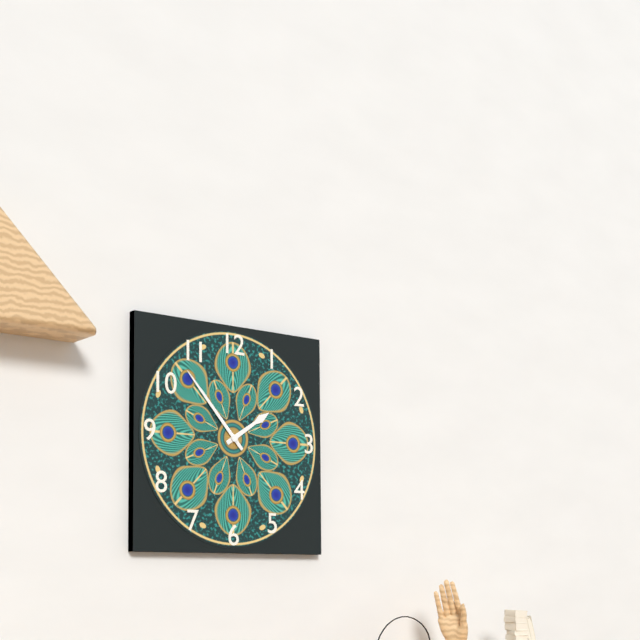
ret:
1:53
